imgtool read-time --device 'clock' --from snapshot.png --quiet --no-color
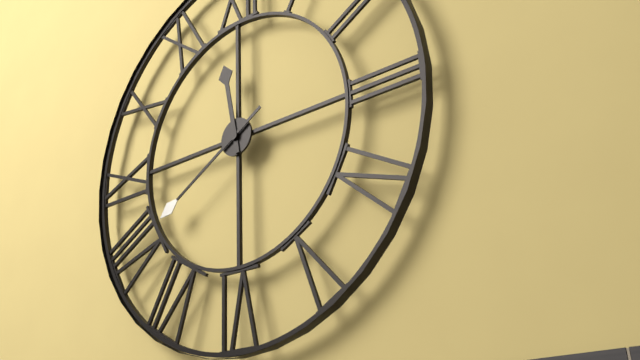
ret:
11:40
